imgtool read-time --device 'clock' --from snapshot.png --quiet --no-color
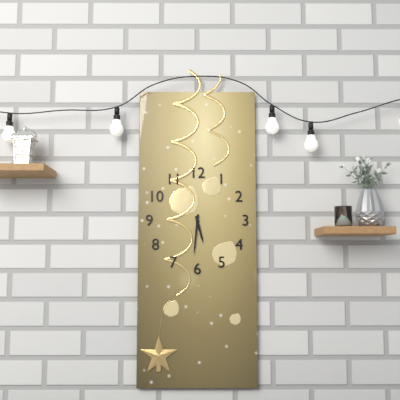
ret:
5:31
